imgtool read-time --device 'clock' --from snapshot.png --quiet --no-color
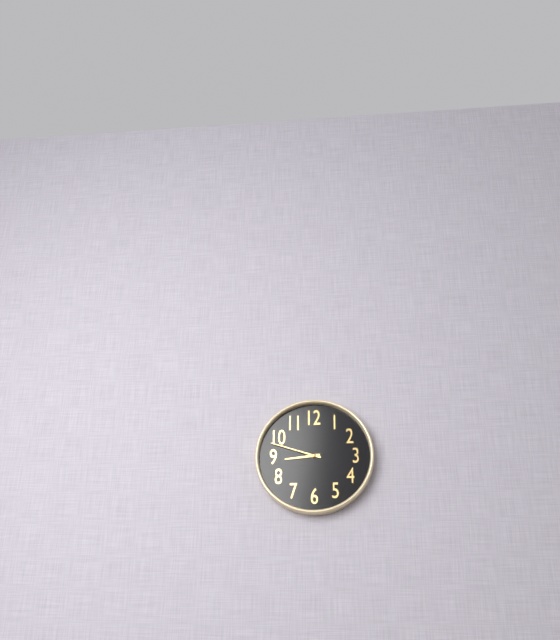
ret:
8:48
